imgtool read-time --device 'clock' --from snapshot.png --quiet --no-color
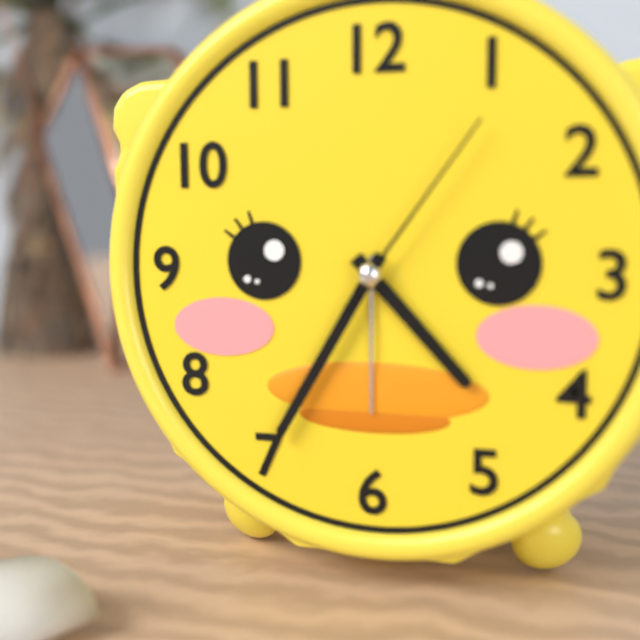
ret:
4:35:06
